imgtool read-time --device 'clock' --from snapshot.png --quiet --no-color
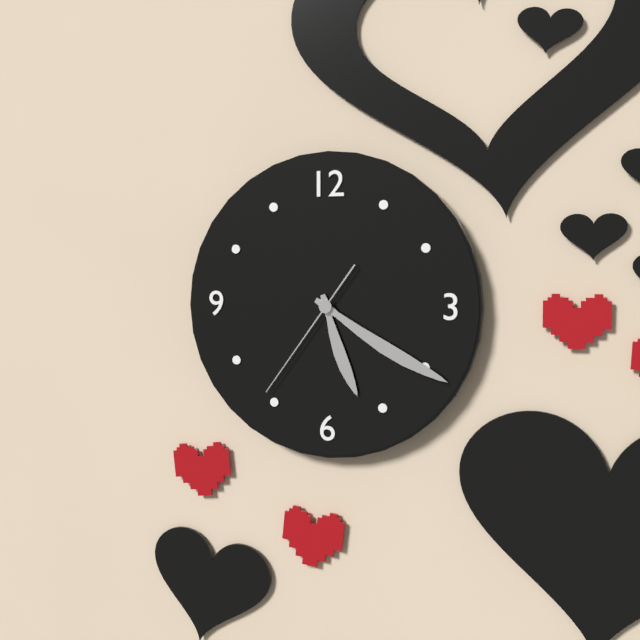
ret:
5:20:36
